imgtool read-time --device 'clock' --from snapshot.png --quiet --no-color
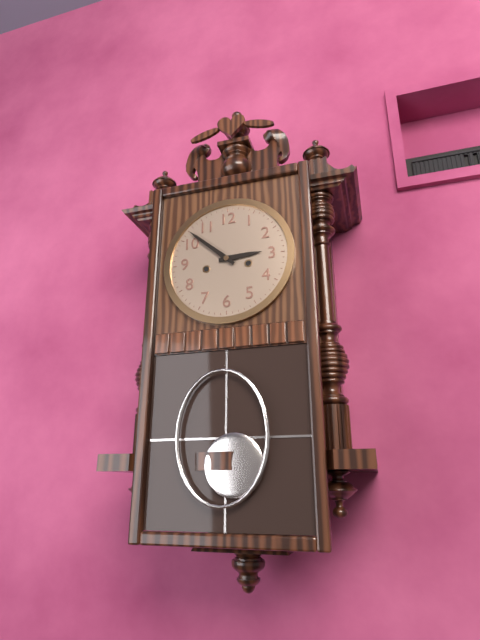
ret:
2:52
